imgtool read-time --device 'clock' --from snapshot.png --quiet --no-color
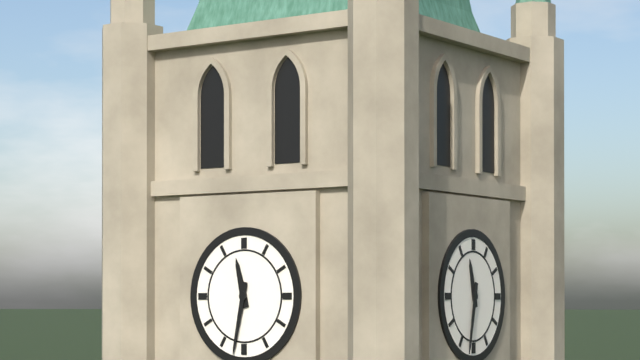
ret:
11:32
